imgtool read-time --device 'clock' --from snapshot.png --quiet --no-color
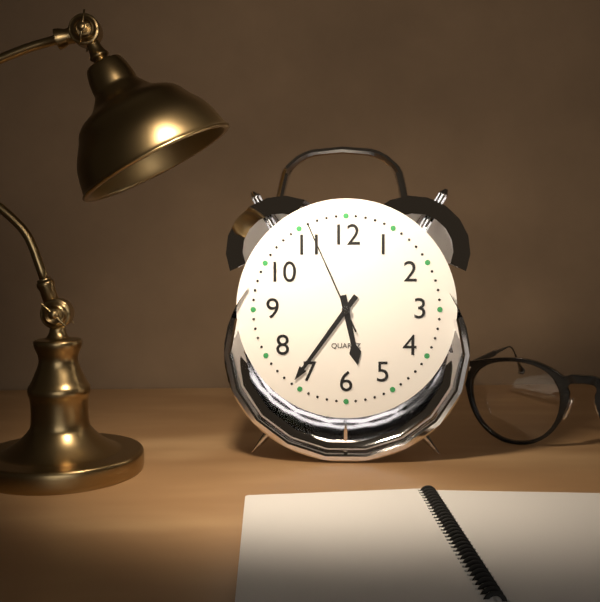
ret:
5:36:56
